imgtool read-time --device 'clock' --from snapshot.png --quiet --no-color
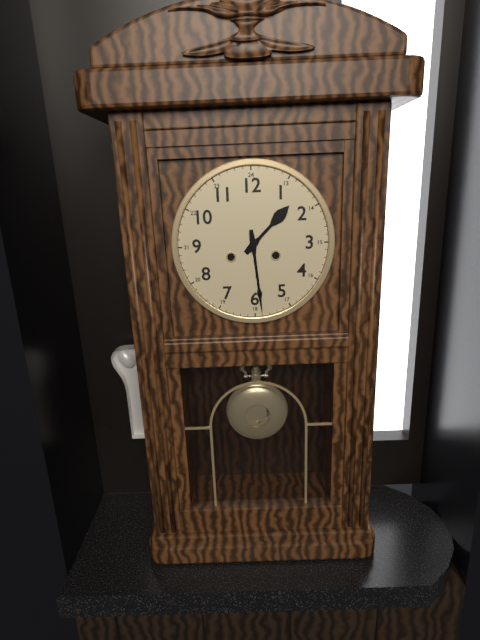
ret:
1:29
